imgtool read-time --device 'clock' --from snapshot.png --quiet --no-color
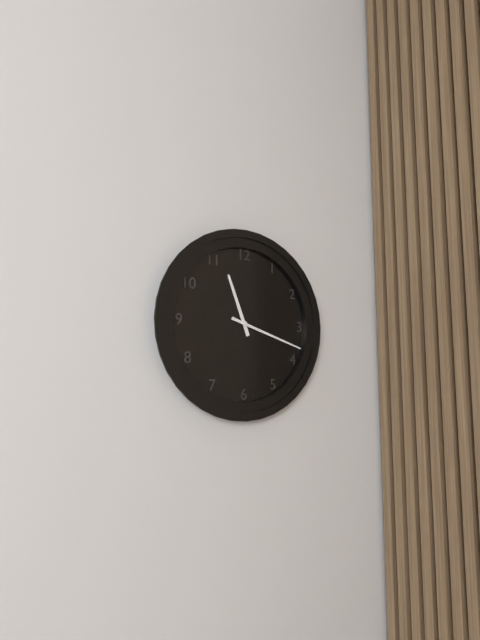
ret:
11:18
